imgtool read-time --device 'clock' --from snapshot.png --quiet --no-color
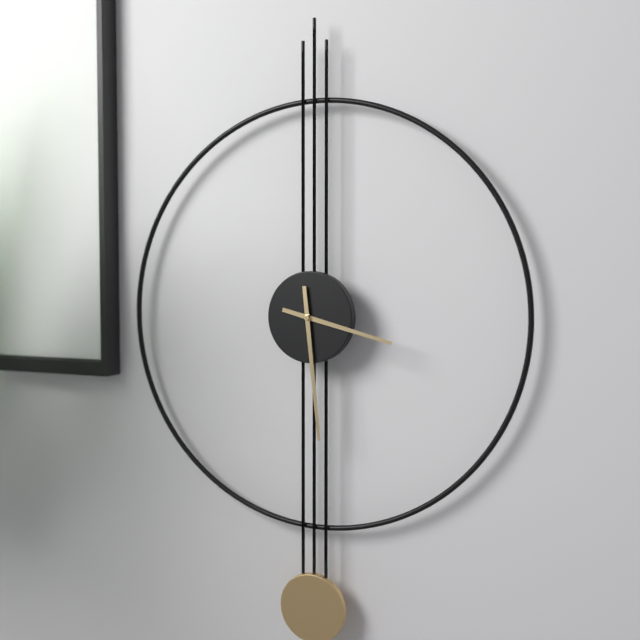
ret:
3:29
